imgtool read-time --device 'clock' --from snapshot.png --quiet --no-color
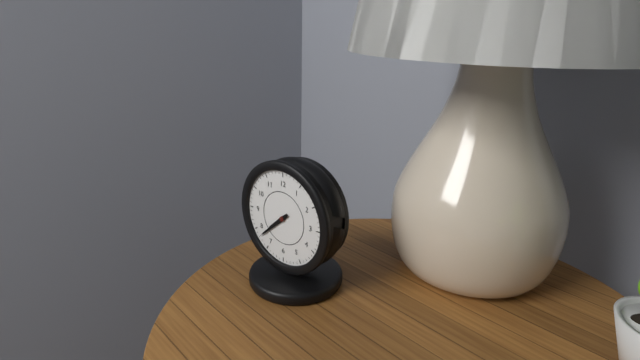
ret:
7:38
